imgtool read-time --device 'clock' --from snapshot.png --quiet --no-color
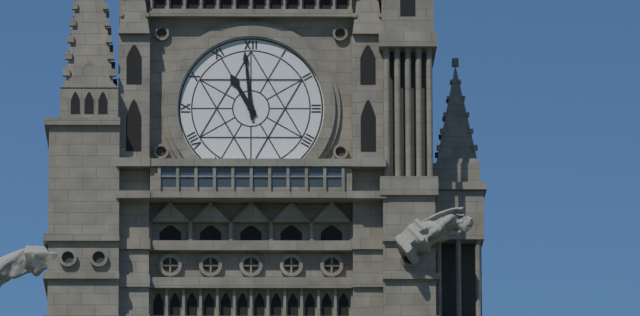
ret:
10:59
